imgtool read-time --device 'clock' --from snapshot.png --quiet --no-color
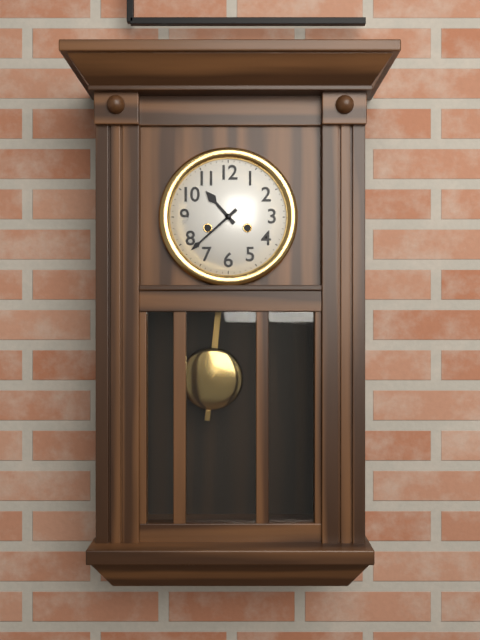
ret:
10:38
